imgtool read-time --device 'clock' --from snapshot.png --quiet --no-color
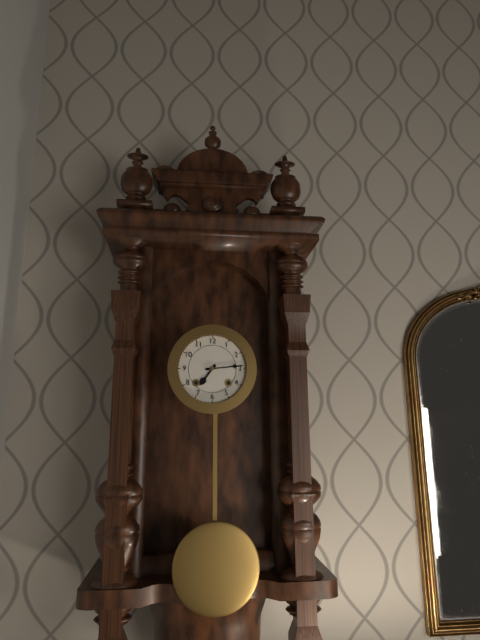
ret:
7:14
